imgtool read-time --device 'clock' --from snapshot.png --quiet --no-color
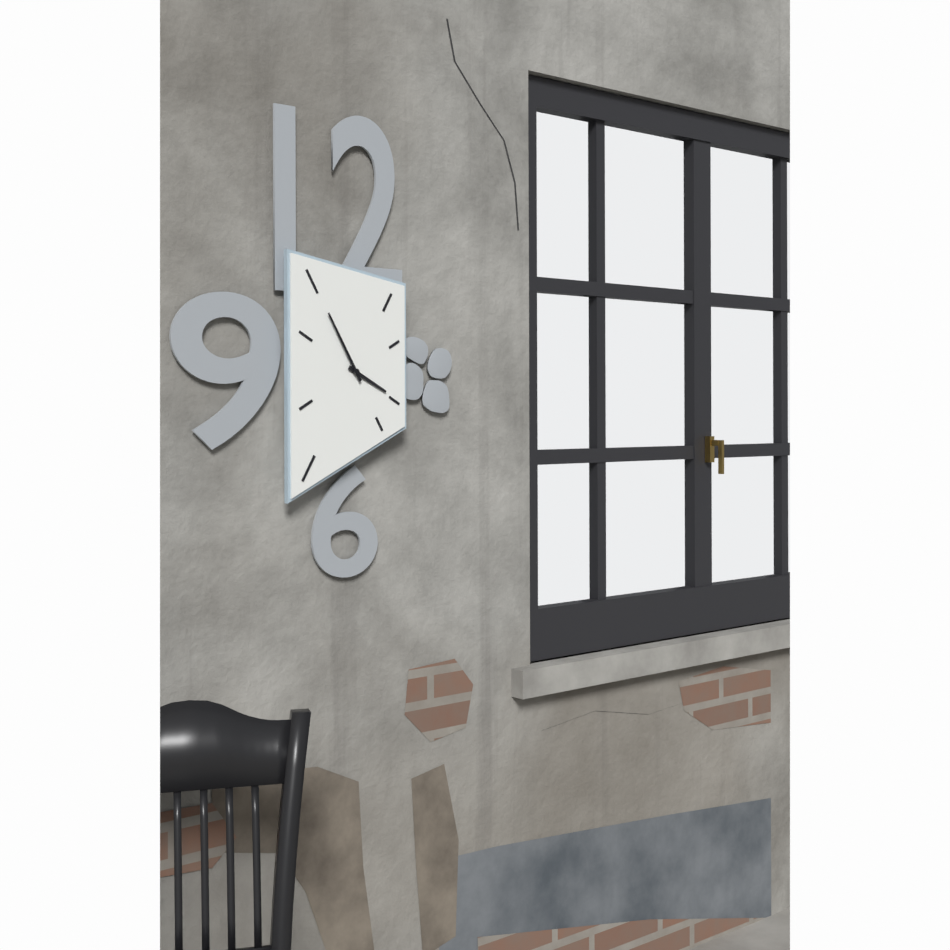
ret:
3:55
